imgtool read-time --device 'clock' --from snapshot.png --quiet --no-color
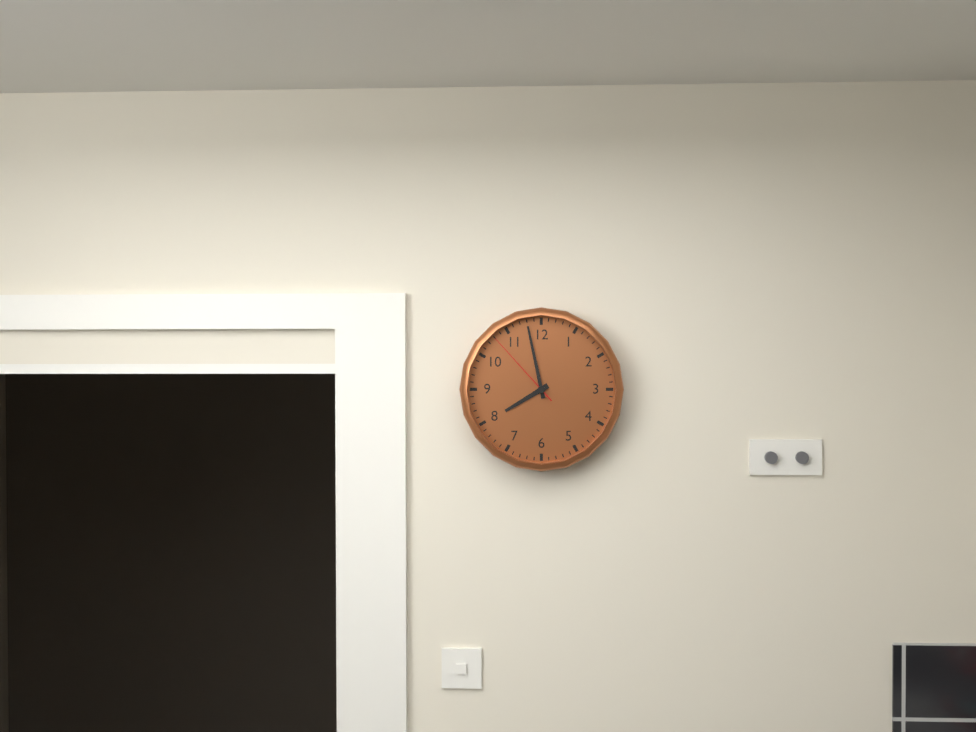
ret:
7:58:53
